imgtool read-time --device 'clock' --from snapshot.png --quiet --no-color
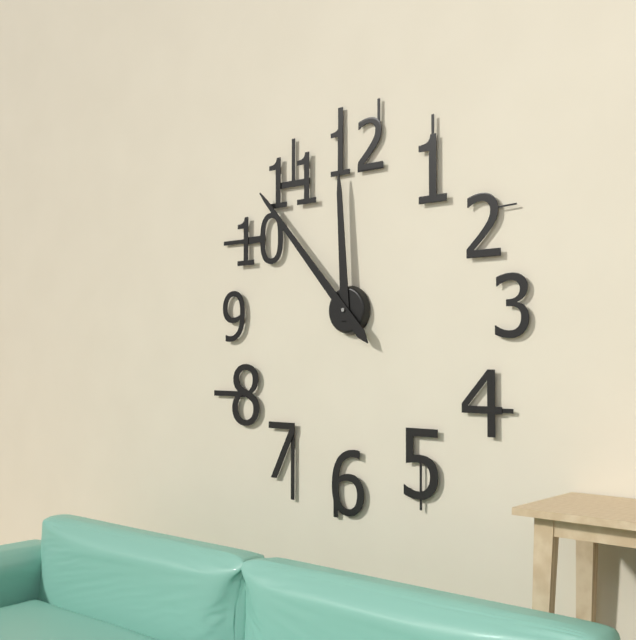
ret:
11:53
